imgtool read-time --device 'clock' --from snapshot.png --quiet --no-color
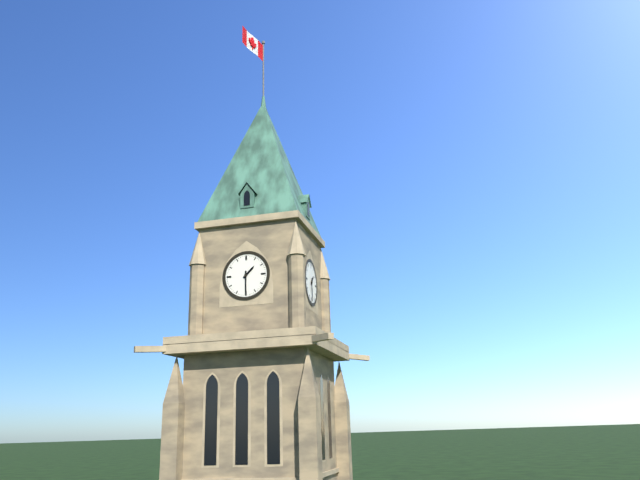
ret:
1:30
